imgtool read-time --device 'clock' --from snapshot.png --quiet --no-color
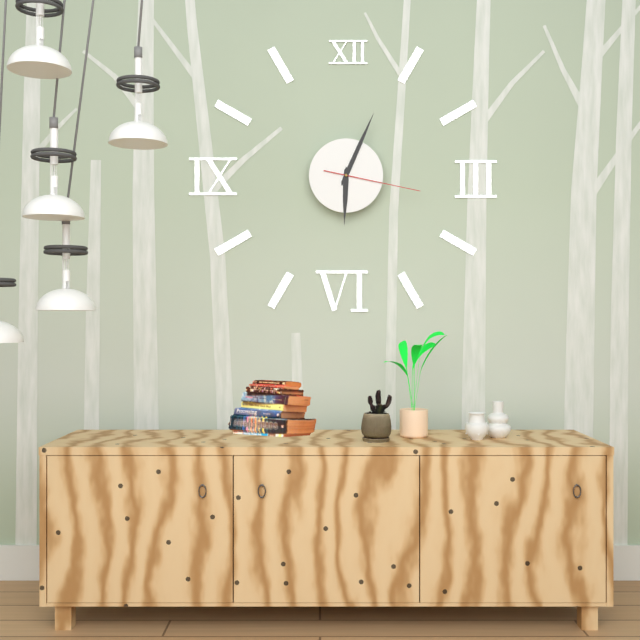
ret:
6:04:17
